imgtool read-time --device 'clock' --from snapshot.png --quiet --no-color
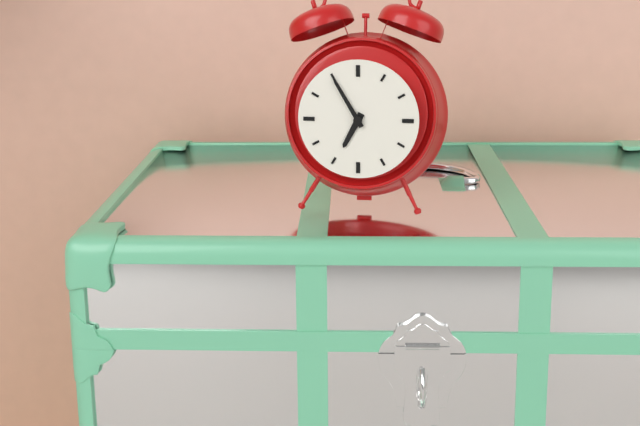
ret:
6:55
